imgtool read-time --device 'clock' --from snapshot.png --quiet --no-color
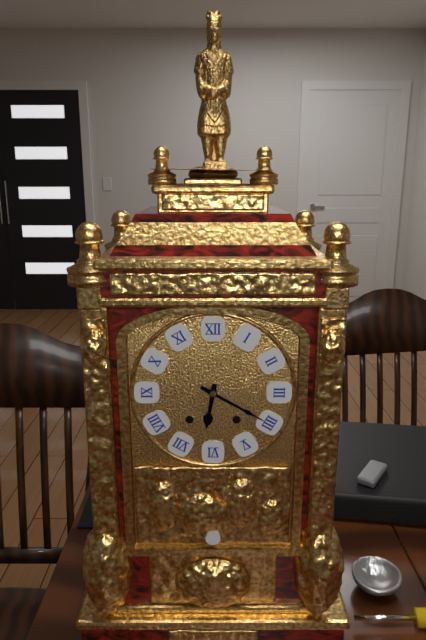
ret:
6:20
